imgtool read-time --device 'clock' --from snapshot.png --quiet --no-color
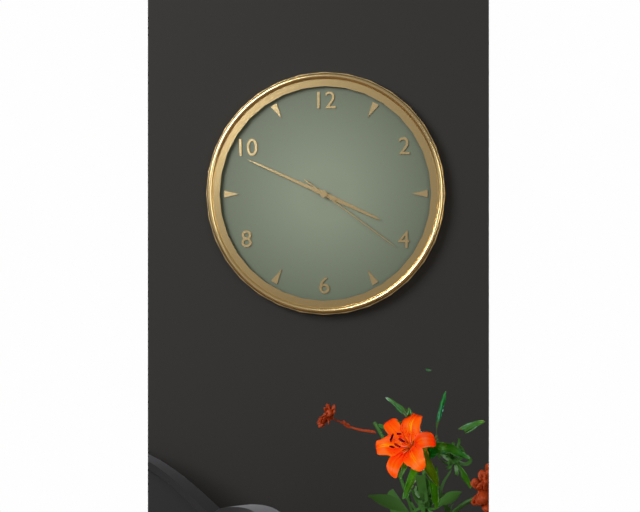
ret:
3:49:21
